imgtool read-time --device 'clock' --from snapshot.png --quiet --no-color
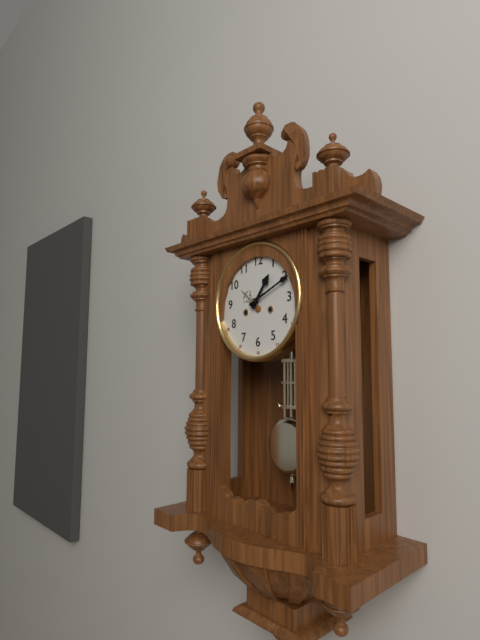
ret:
1:11
